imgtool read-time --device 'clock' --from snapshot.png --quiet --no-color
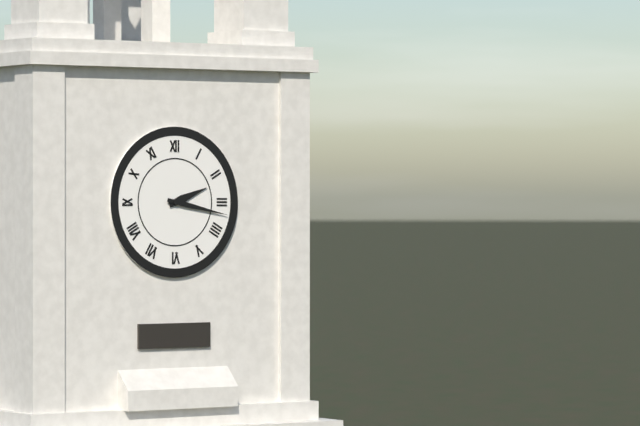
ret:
2:17
